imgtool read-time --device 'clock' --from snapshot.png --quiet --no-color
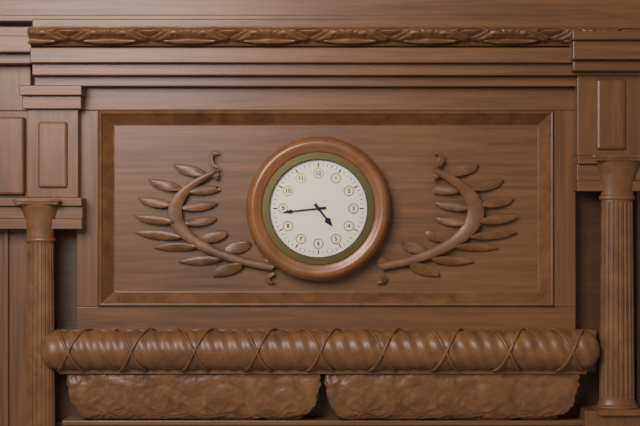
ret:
4:44
